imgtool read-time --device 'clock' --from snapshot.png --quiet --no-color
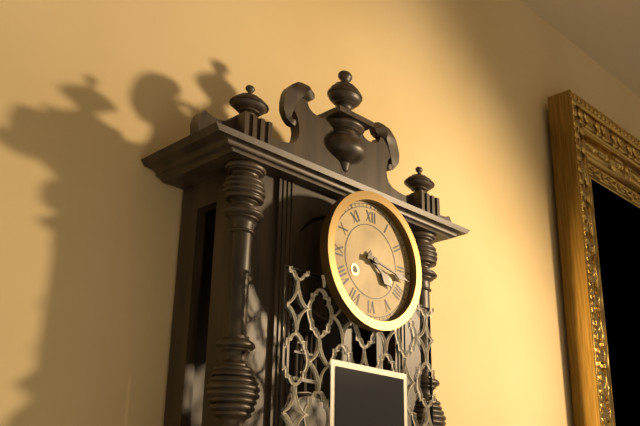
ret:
4:17
